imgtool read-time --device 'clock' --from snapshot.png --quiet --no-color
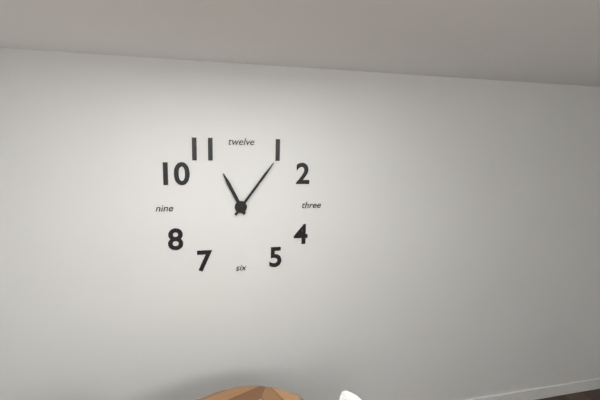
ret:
11:06
